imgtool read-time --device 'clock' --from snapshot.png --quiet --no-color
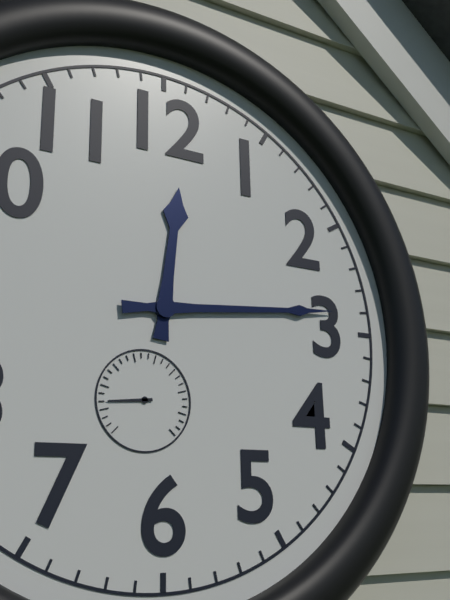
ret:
12:14
